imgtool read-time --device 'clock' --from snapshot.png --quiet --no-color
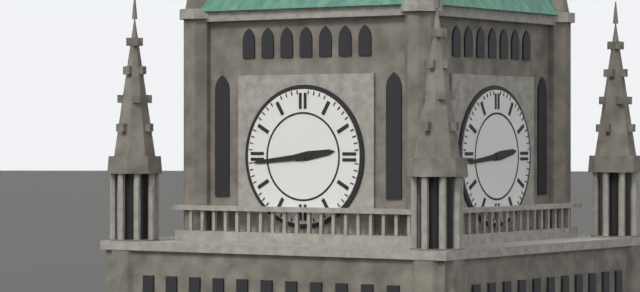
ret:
2:44
